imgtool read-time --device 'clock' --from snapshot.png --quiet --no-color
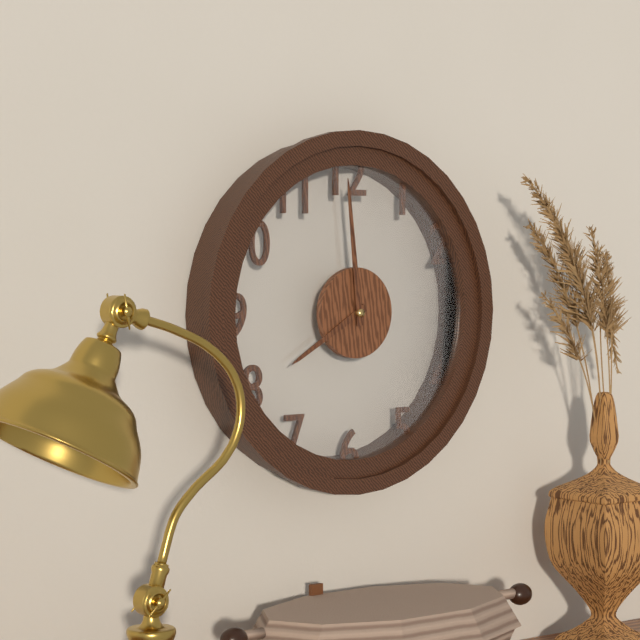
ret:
7:59
